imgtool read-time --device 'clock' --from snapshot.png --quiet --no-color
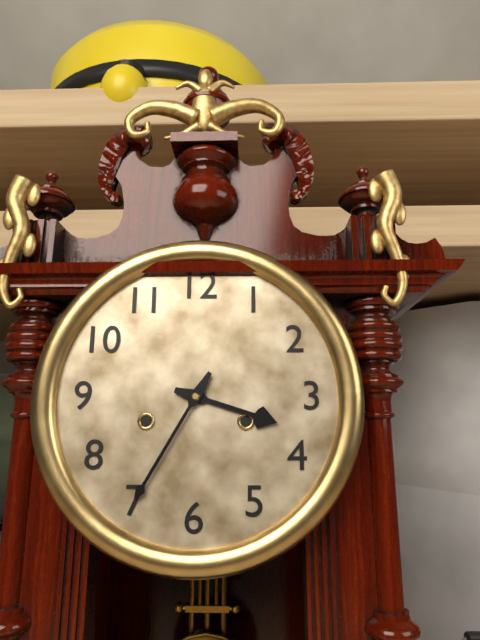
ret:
3:35
